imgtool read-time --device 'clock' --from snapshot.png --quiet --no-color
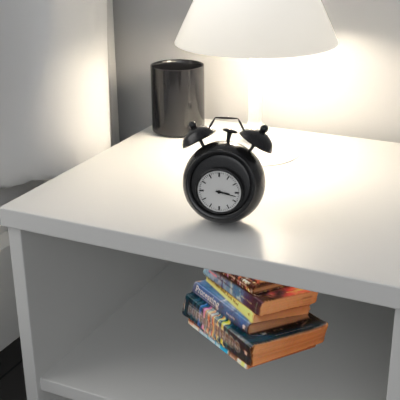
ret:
3:17
